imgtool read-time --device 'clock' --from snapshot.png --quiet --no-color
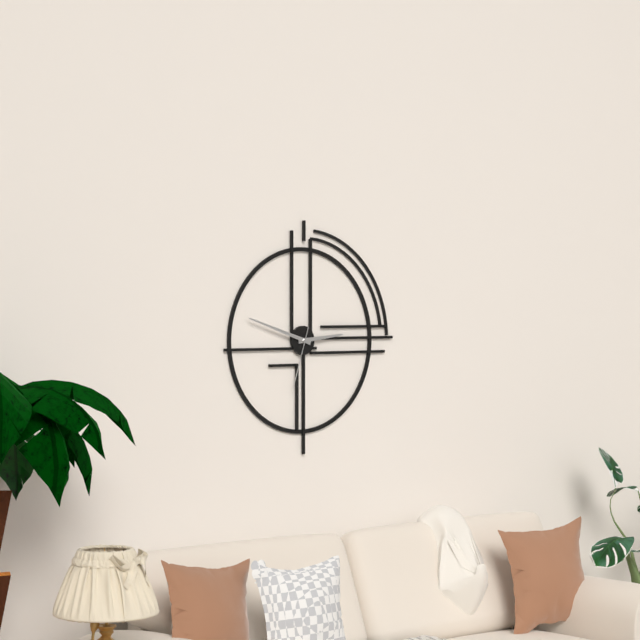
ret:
2:48:33
